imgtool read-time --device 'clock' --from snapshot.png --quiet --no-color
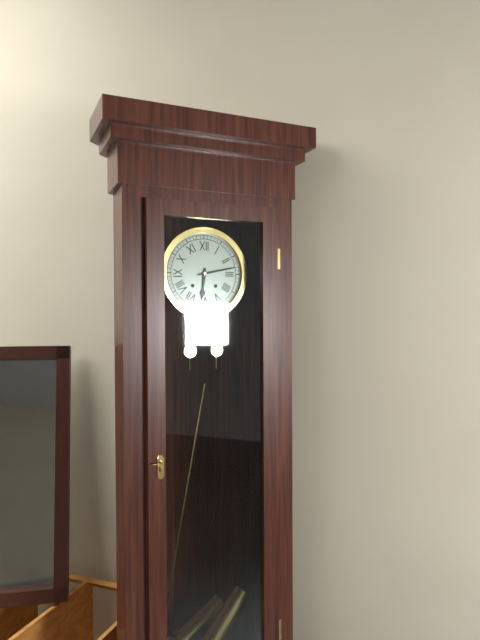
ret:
6:13
